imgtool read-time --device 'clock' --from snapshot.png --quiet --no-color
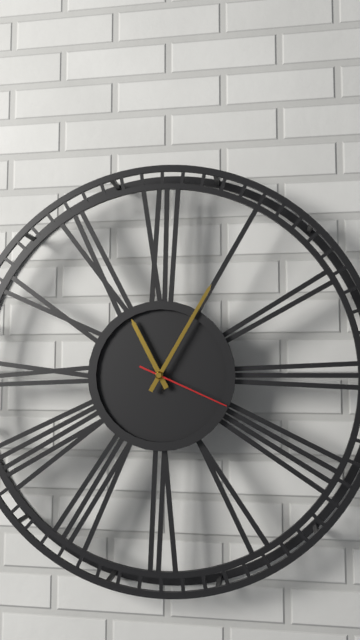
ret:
11:05:19
